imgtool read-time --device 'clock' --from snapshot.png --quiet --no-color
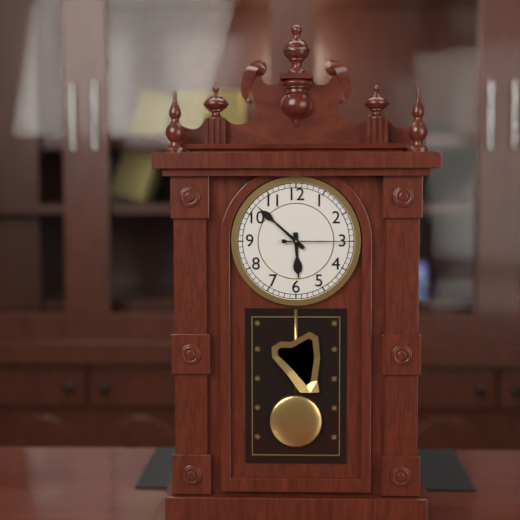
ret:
5:52:15
